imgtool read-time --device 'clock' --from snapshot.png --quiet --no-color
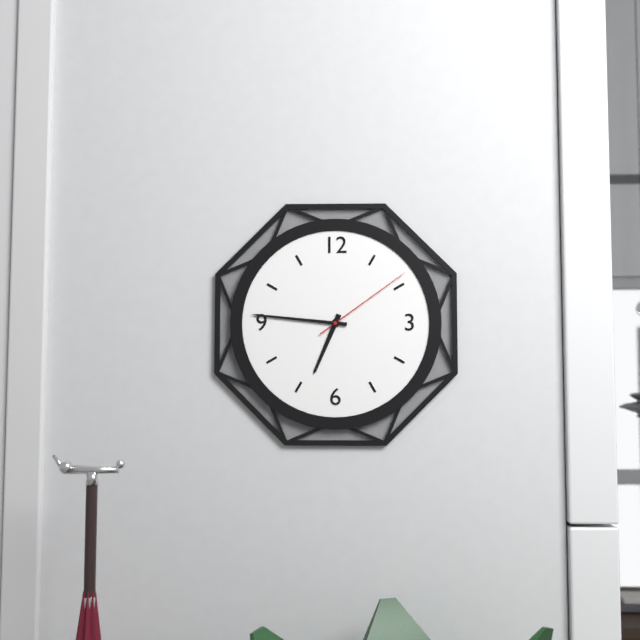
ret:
6:46:09
